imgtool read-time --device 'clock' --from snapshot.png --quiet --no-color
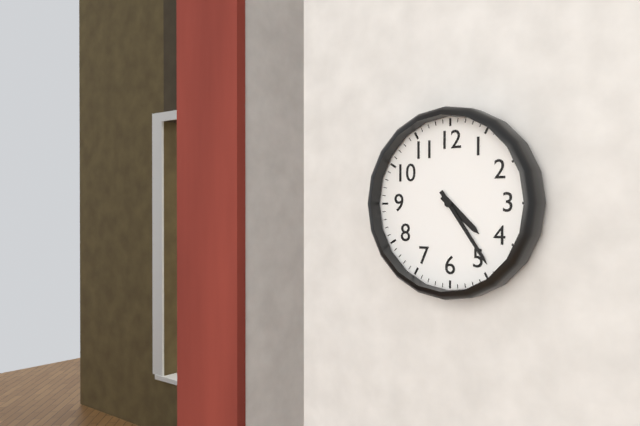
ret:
4:24
